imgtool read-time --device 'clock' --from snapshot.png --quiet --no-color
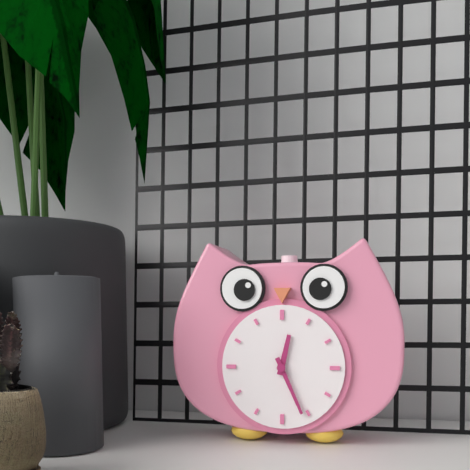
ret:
12:26
